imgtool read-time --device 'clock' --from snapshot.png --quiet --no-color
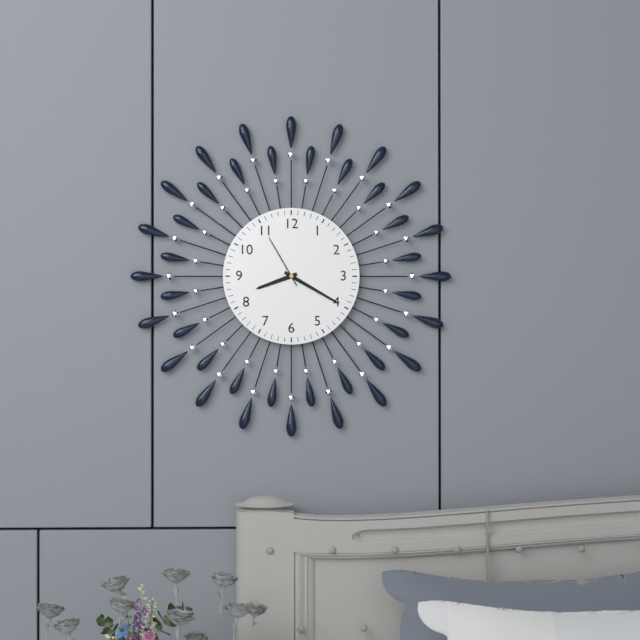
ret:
8:20:55
